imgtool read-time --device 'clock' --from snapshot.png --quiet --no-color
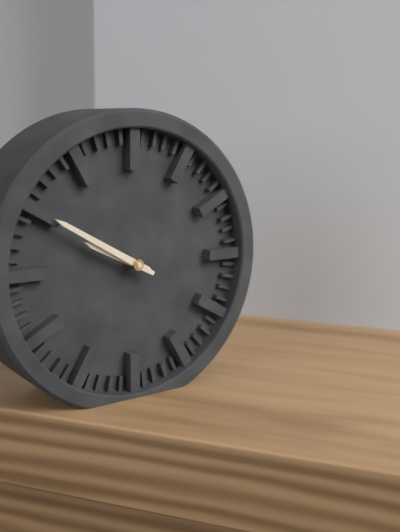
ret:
9:50
